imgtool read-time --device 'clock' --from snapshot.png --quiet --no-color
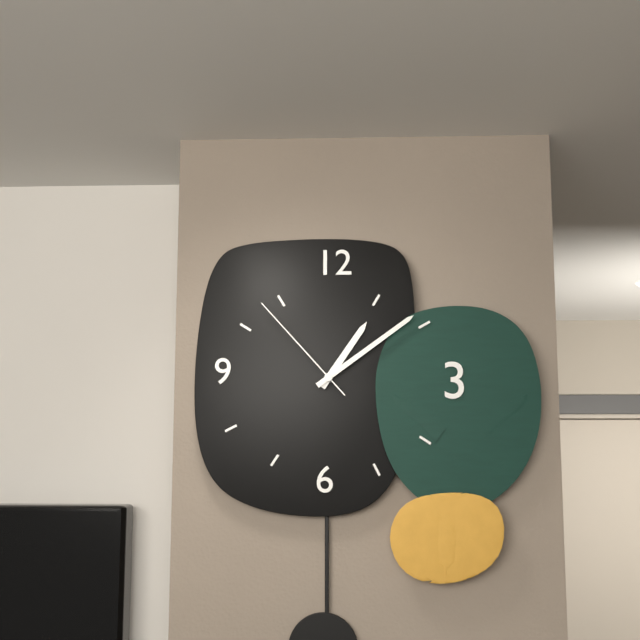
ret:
1:09:53
